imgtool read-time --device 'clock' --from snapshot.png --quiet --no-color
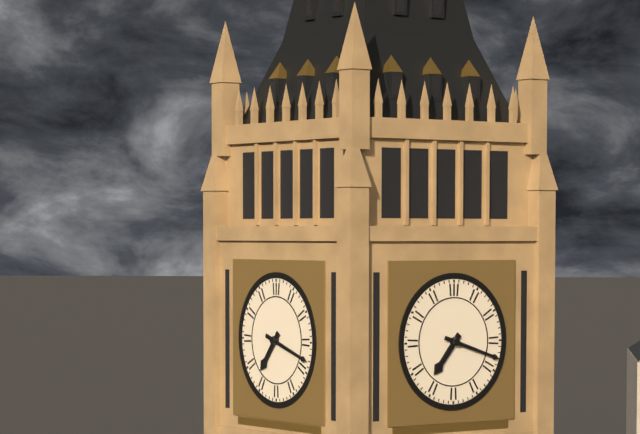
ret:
7:18
